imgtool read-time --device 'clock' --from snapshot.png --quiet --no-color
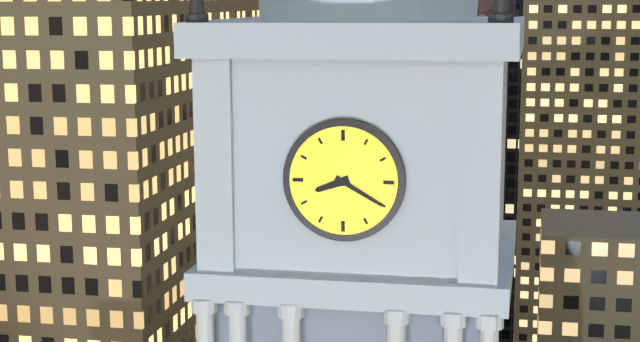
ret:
8:20
